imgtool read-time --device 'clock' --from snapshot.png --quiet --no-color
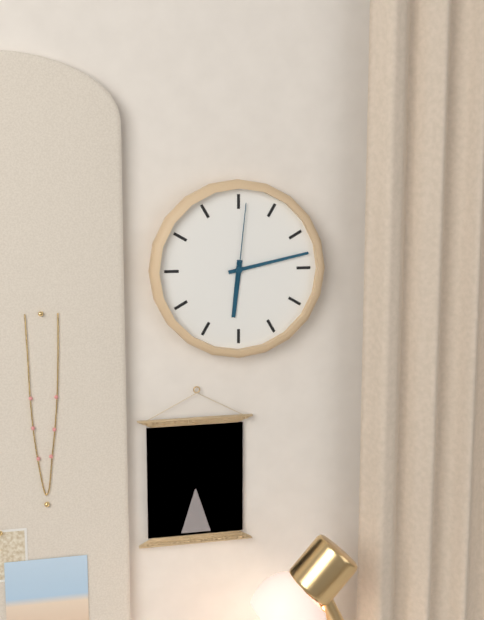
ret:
6:13:01
